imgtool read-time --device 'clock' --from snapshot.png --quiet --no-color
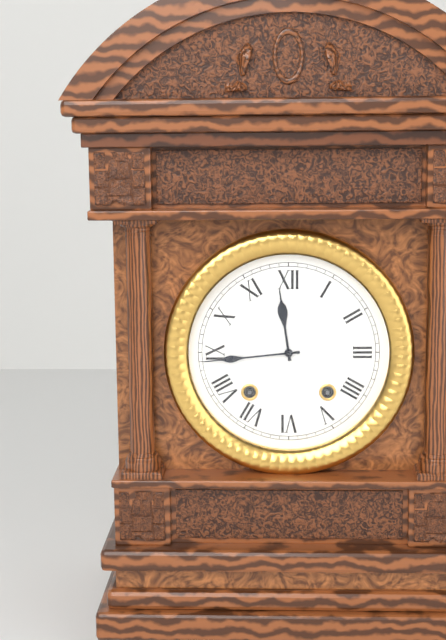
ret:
11:44
